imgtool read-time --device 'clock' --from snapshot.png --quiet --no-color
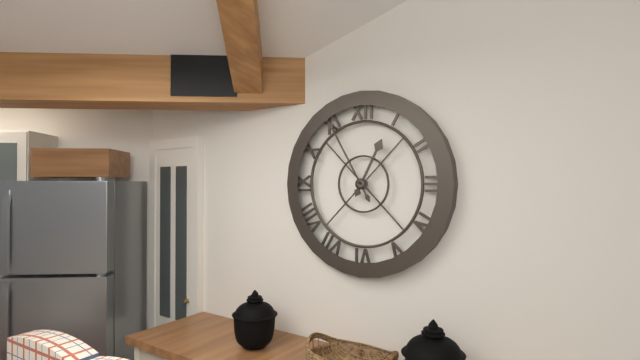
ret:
12:55
